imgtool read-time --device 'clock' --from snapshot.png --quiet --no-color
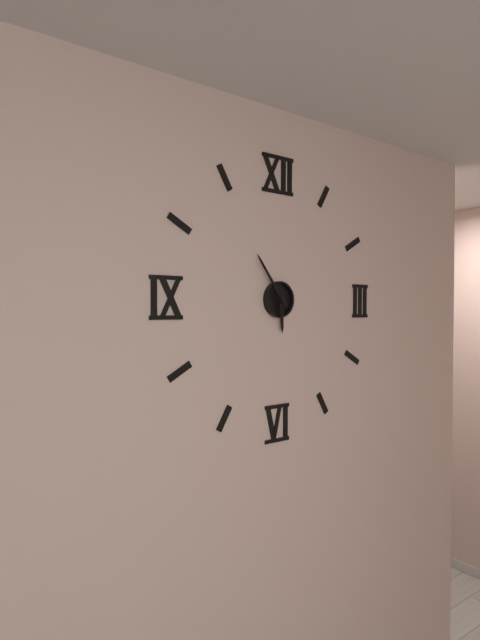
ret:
5:54
